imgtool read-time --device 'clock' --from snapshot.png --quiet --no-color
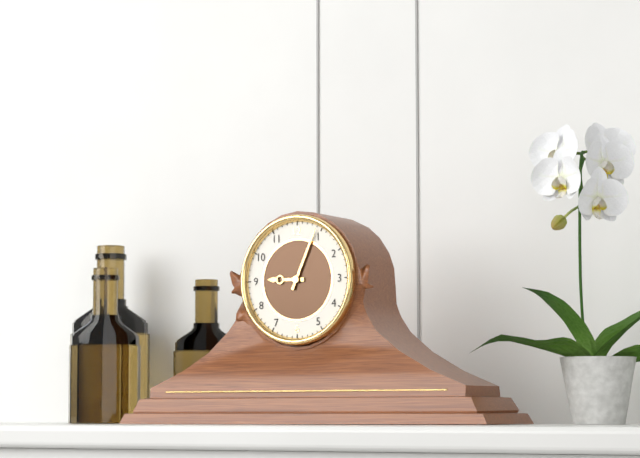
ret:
9:04
